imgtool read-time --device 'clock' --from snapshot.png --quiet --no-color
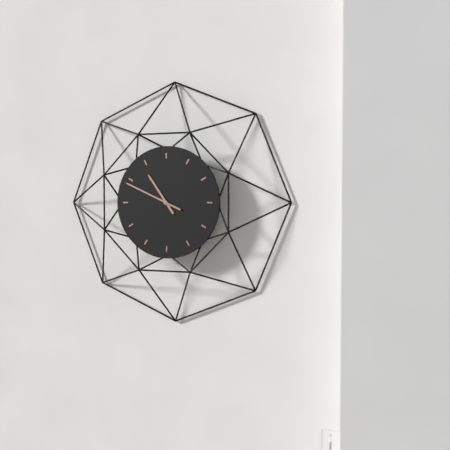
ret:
10:49
